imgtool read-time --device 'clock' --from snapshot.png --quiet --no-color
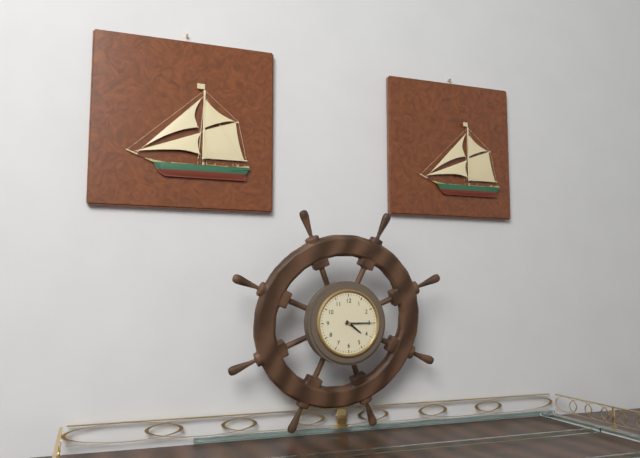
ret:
4:15
